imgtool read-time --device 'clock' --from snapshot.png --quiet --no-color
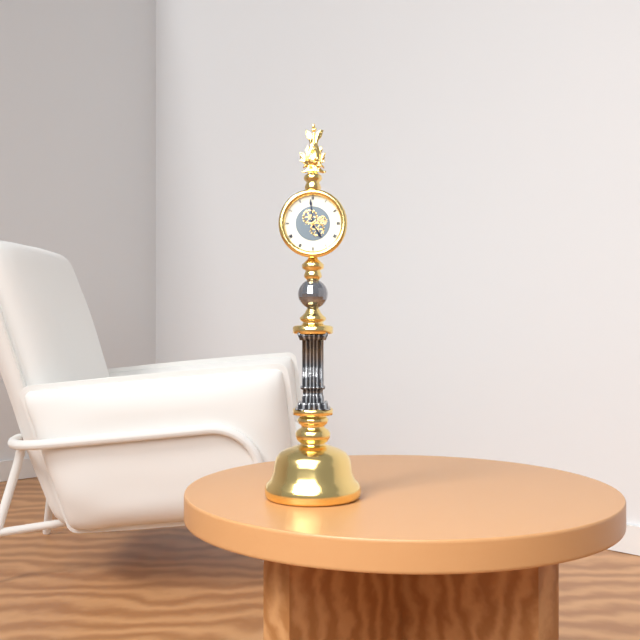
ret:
4:59
